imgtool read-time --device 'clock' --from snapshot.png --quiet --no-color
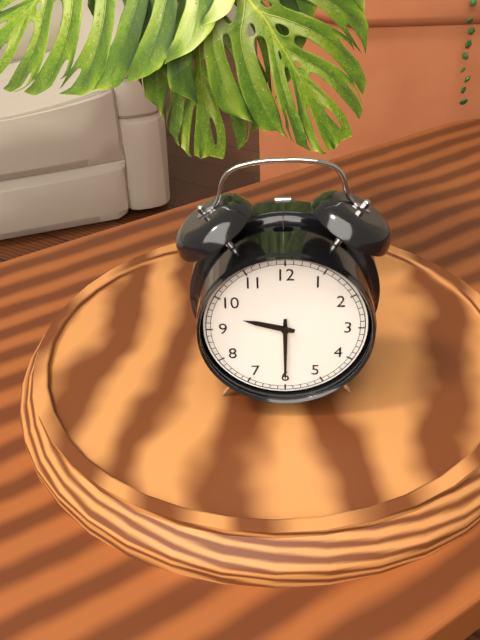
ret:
9:30
